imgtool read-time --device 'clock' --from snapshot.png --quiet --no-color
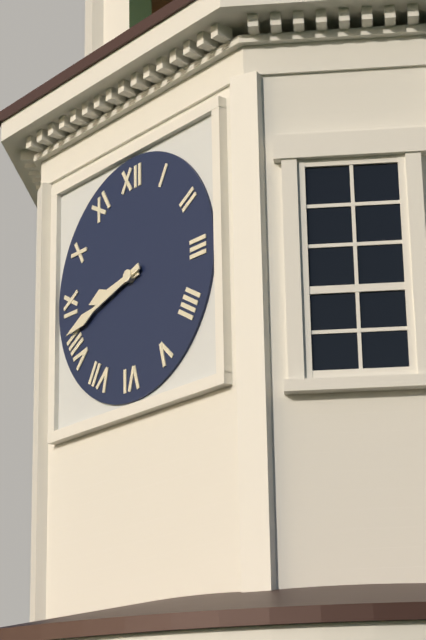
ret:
8:42
